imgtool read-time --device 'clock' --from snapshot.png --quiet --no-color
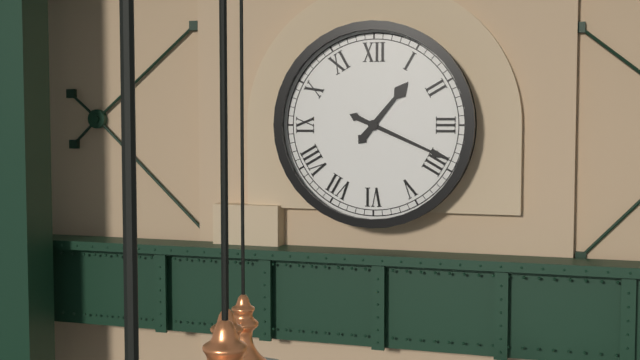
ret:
1:19
